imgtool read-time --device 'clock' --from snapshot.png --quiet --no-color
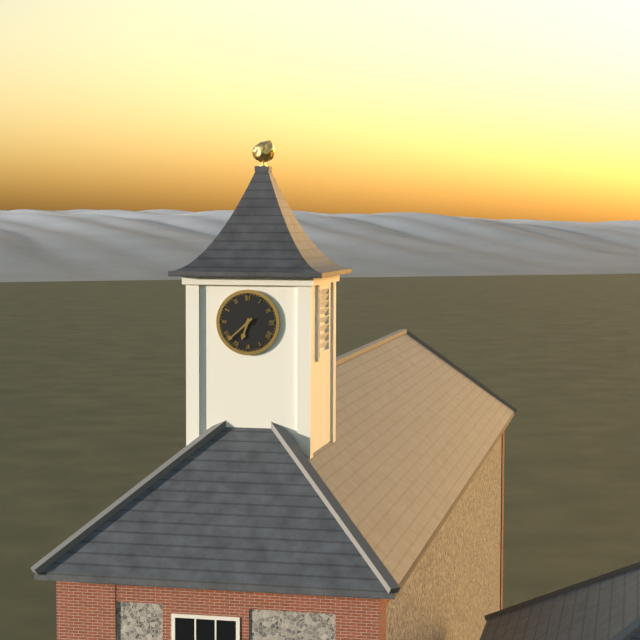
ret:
6:38
